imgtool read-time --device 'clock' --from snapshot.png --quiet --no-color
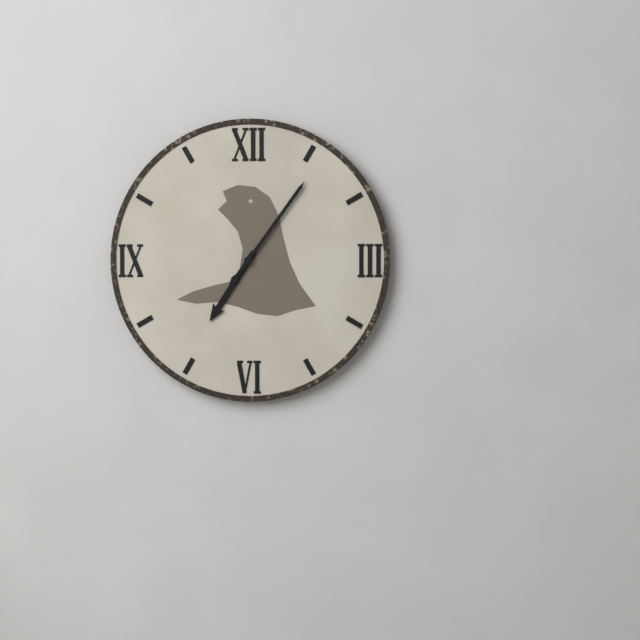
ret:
7:06
